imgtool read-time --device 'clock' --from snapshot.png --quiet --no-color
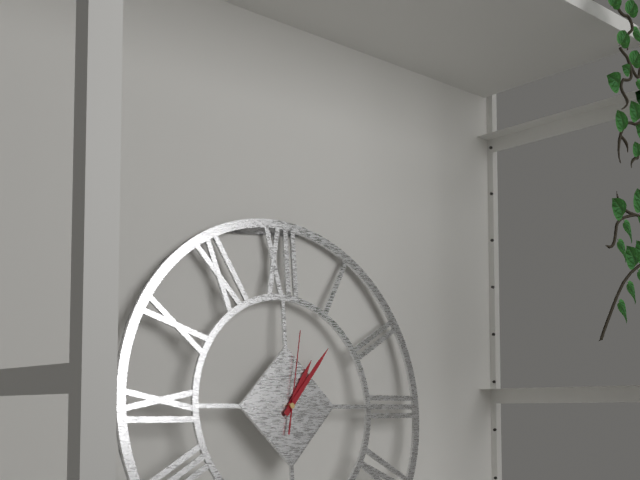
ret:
1:07:02
